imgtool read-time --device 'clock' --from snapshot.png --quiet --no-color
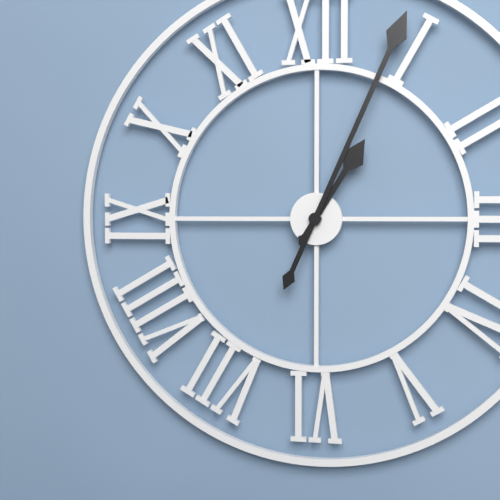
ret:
1:04
